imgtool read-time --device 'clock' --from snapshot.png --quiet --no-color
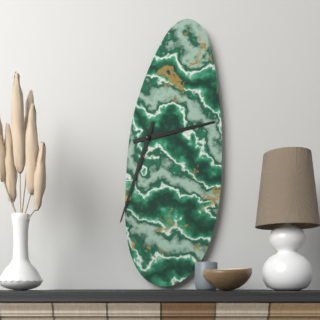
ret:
2:33
